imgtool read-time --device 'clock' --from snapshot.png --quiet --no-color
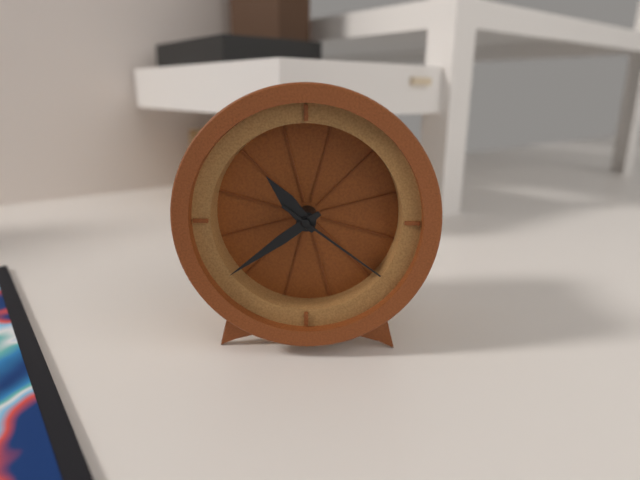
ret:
10:39:21
